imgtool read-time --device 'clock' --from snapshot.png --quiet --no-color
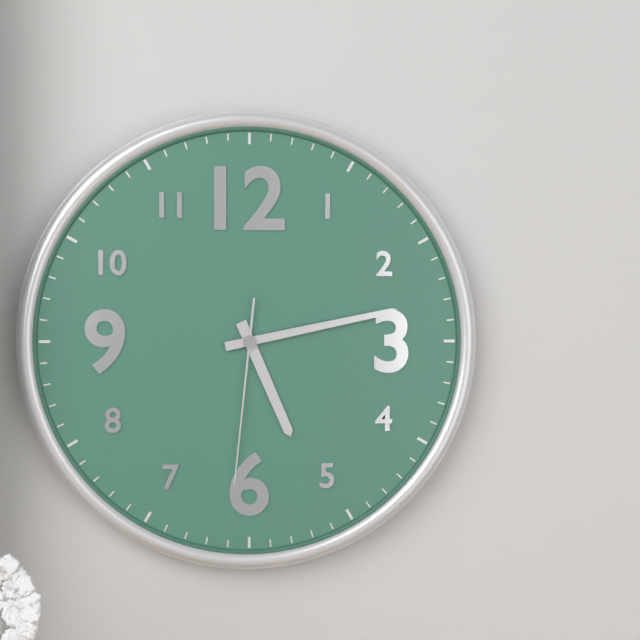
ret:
5:13:31
